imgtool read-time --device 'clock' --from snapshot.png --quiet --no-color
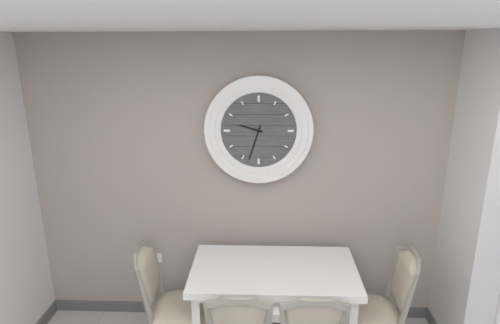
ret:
9:33
